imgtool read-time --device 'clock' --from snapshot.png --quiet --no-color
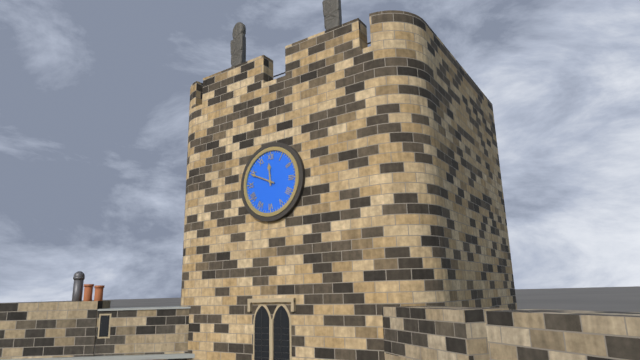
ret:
11:49
